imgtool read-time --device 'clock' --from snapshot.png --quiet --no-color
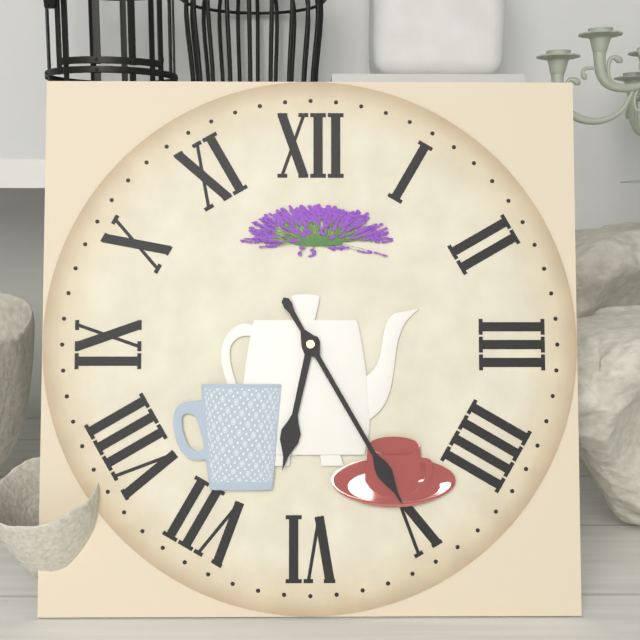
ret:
6:25
